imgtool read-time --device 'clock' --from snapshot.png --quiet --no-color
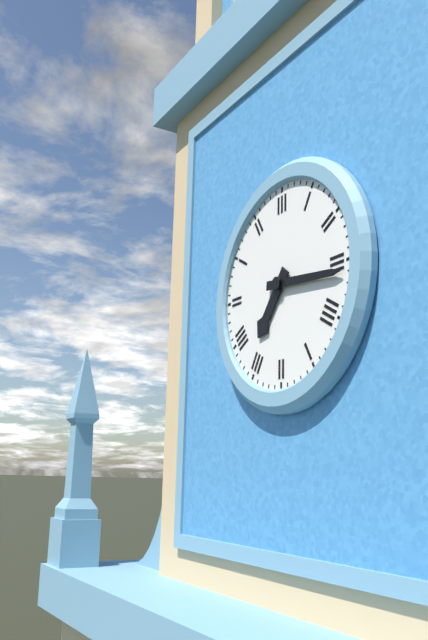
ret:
7:16
